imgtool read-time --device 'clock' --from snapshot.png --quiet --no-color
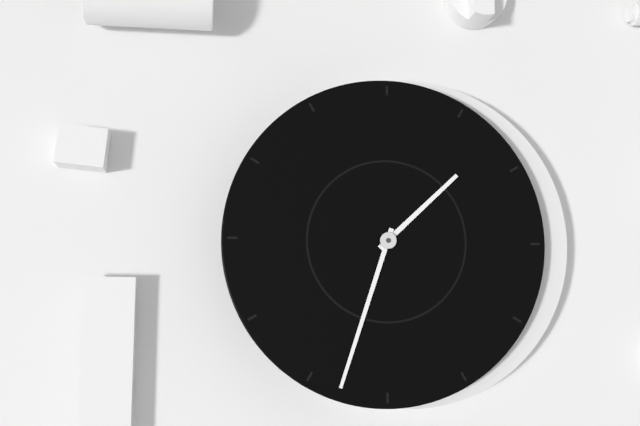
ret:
1:33
